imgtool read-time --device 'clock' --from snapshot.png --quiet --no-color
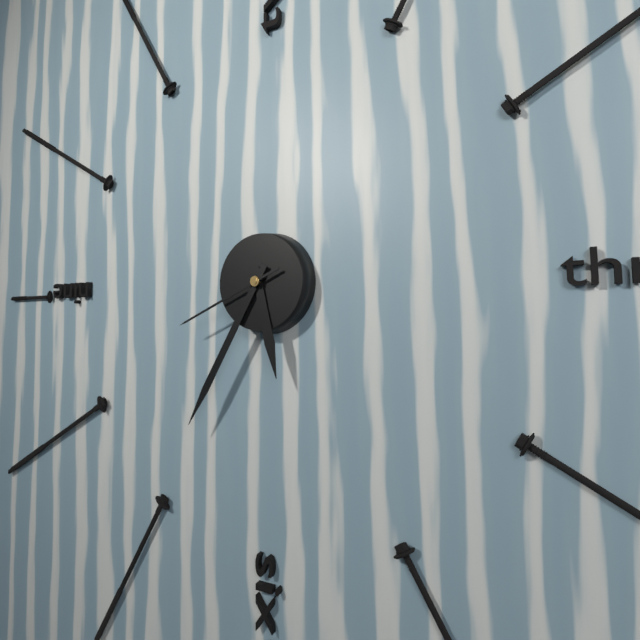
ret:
5:35:41
